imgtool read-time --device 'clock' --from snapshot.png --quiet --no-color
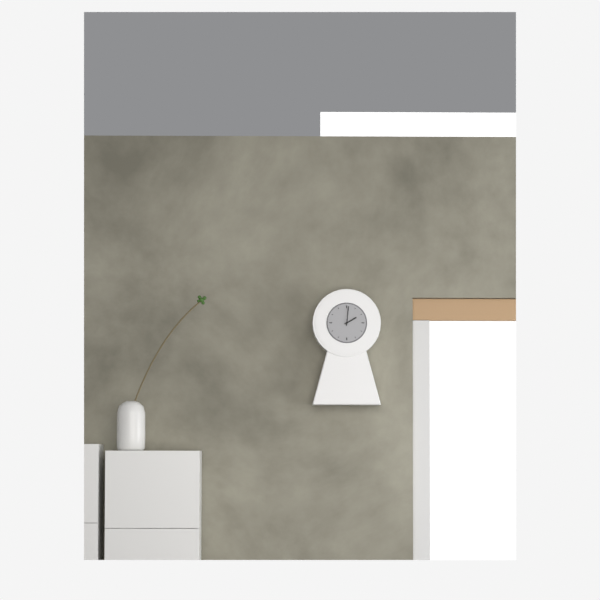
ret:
2:01
